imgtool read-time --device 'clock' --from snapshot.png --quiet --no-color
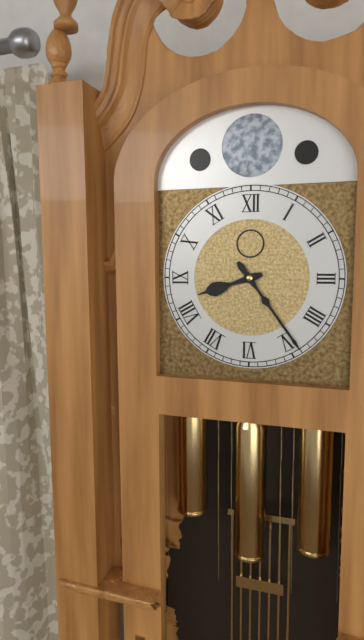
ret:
8:24
